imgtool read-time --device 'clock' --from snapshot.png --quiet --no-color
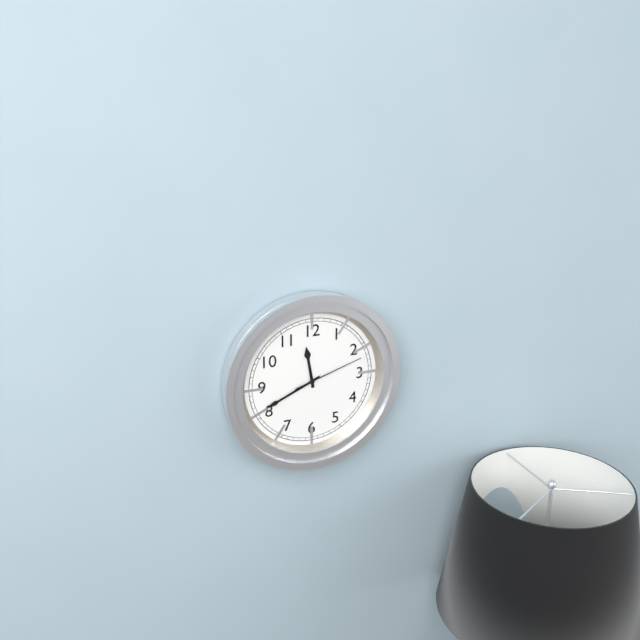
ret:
11:41:12
